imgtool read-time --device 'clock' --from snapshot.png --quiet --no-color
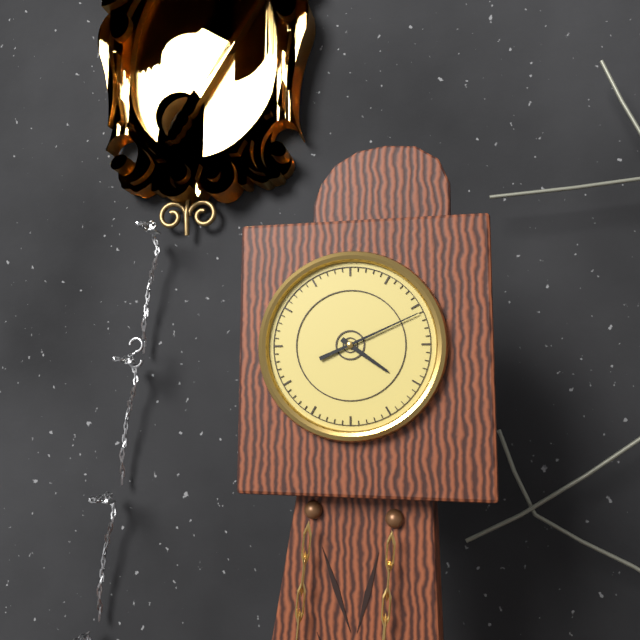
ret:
4:11
